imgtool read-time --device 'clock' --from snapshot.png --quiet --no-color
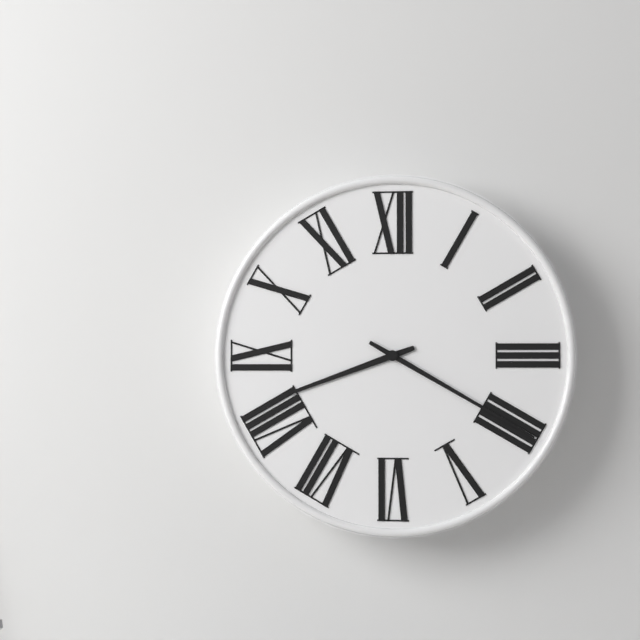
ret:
8:20
